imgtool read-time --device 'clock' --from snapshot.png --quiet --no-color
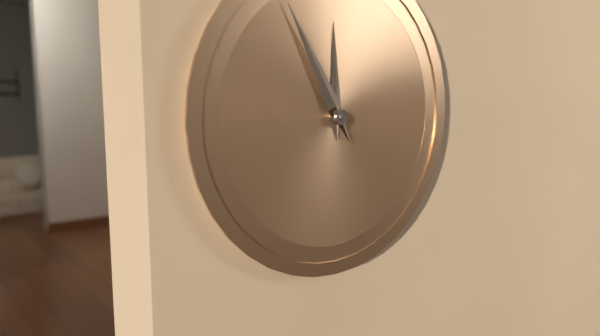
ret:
11:55
